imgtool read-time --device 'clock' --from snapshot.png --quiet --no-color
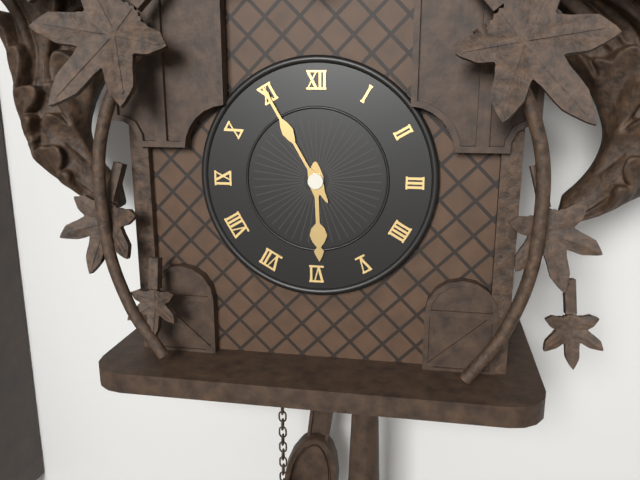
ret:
5:55
